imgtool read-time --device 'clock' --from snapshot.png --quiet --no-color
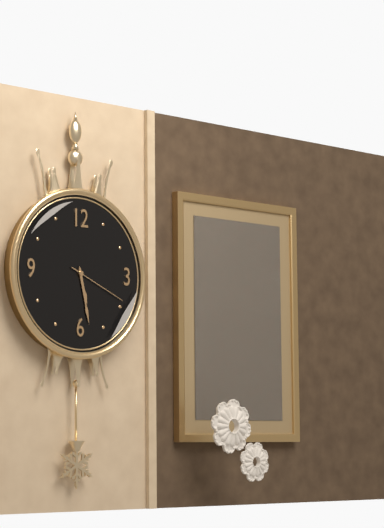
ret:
5:28:19
